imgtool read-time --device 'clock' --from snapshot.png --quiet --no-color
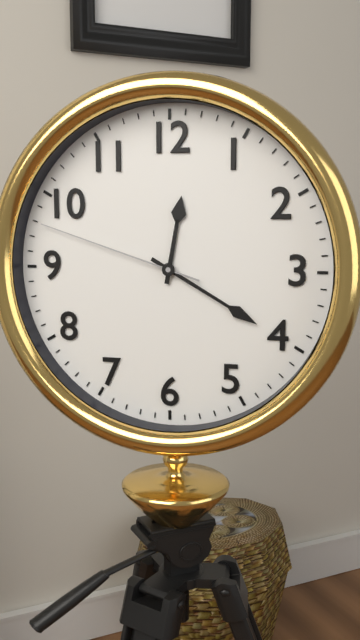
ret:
12:20:48
